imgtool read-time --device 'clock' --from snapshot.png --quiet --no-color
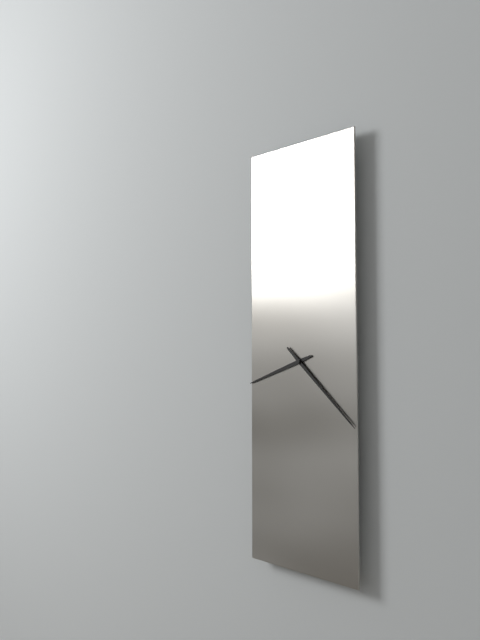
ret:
8:22
